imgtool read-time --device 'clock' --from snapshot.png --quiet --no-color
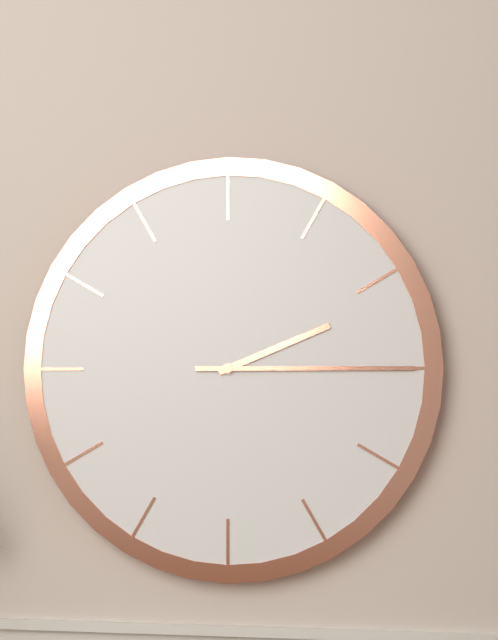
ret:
2:15
